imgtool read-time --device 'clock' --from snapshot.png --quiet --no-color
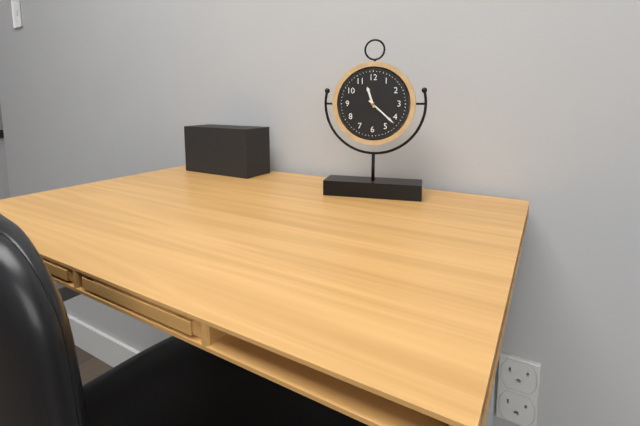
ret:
11:22
